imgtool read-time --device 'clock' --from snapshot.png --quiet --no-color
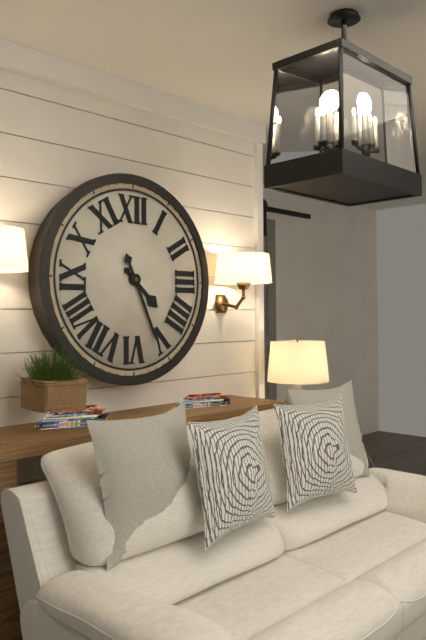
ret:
4:26
